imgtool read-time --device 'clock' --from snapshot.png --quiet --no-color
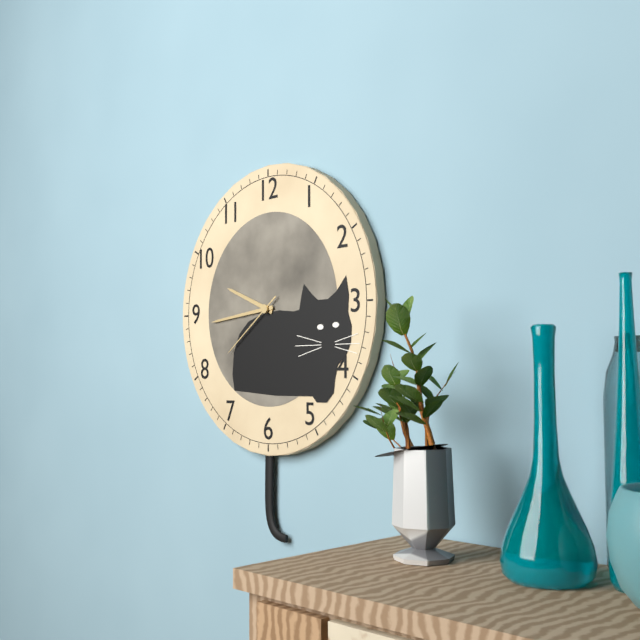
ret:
9:44:39
